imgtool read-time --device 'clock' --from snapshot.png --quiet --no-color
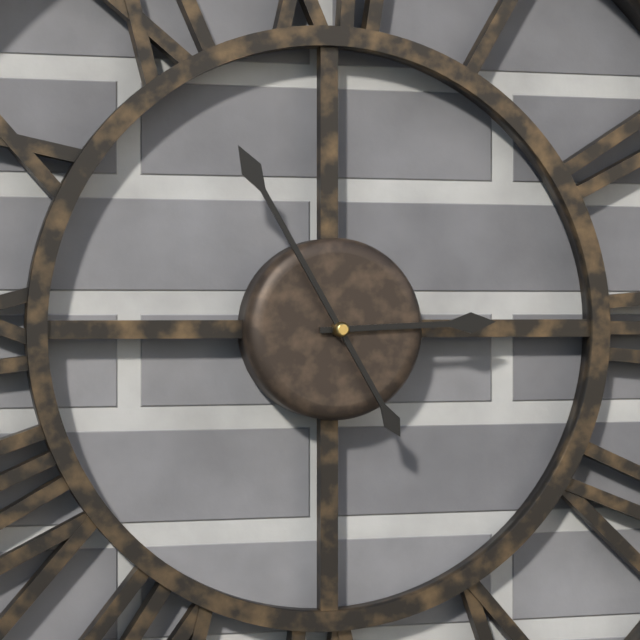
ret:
2:55
